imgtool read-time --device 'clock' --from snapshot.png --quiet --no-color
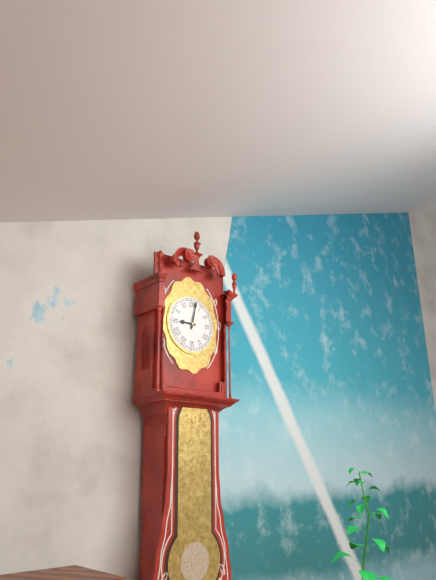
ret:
9:02
